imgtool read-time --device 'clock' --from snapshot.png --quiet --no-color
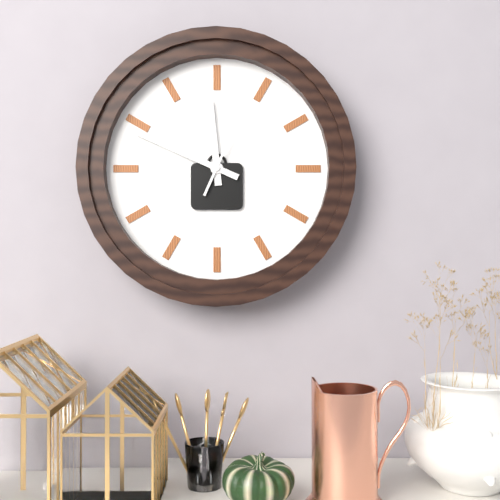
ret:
11:49:04
